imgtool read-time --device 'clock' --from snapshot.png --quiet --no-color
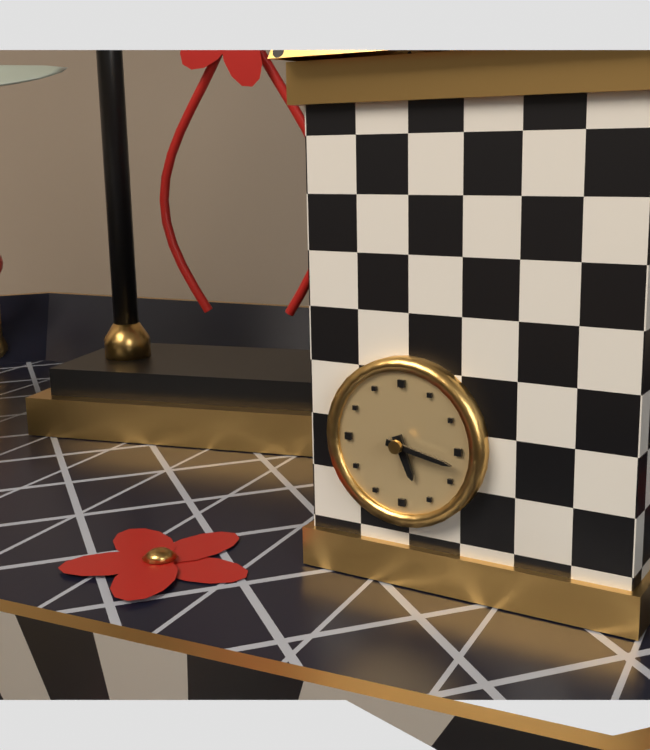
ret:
5:17
